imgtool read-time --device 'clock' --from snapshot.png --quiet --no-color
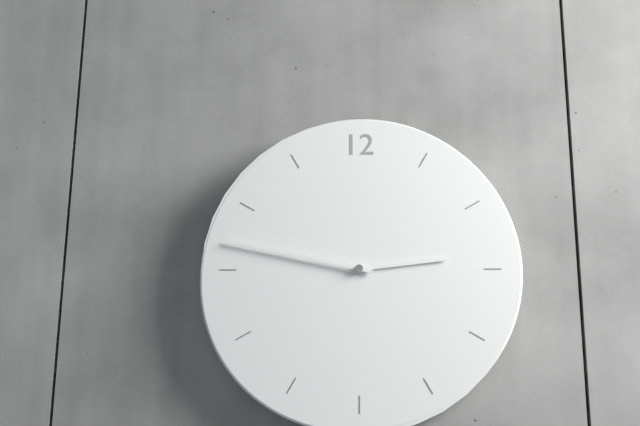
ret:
2:47
